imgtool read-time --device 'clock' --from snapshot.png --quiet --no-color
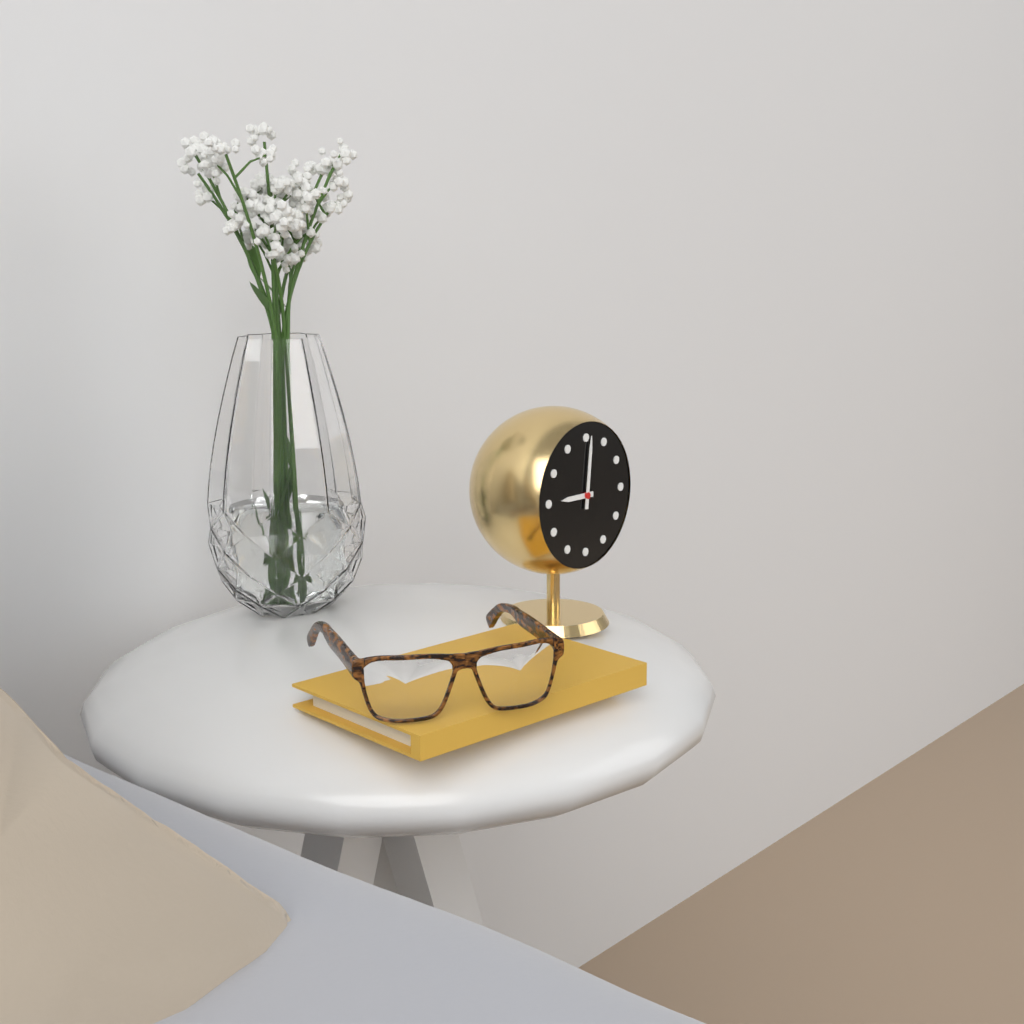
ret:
9:01
